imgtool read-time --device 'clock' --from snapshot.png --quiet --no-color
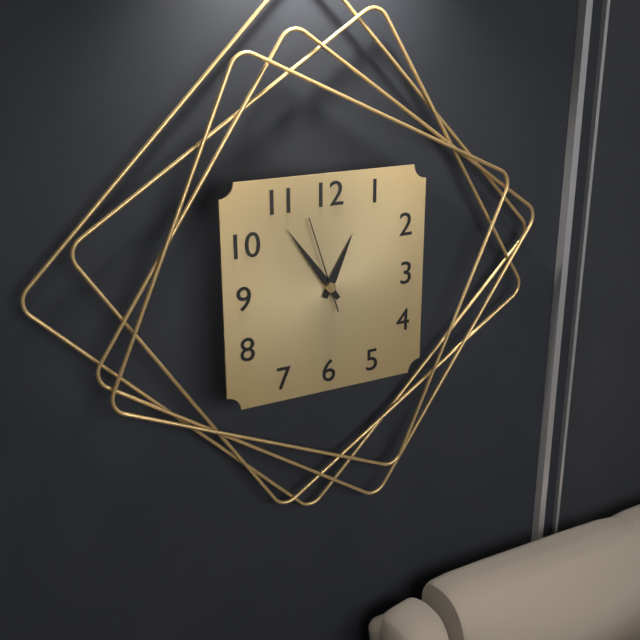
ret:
12:54:57
